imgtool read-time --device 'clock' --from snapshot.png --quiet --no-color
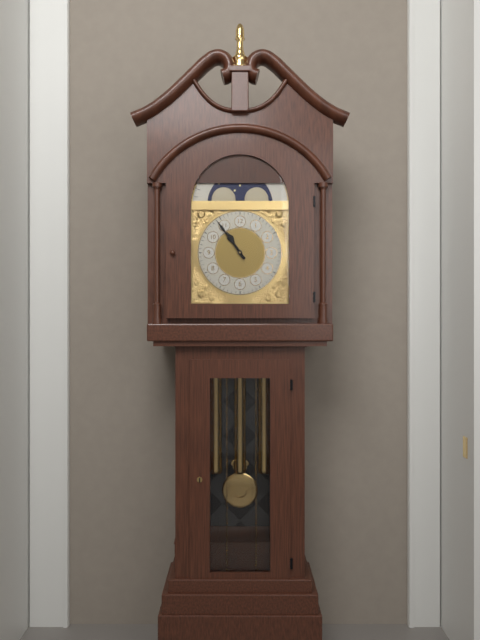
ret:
10:54
